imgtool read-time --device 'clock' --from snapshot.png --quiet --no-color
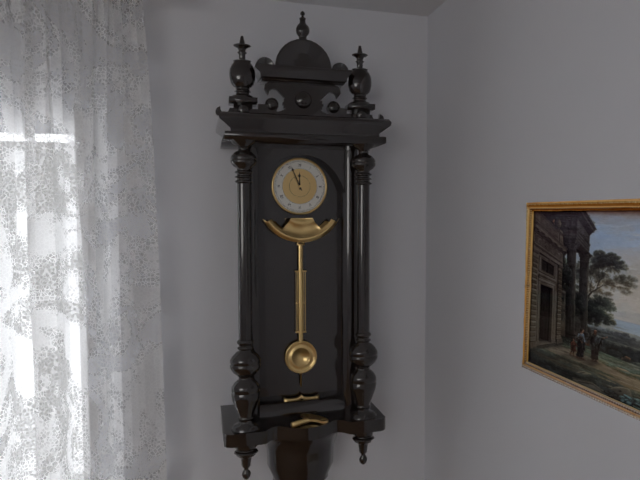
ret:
11:56
